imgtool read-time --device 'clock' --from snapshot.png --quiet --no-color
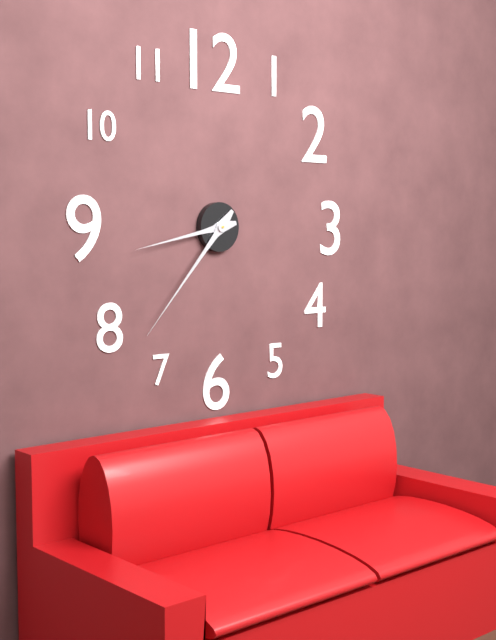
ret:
8:37
